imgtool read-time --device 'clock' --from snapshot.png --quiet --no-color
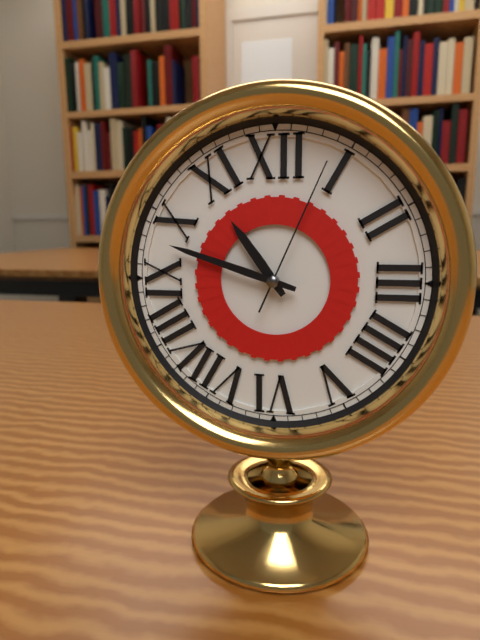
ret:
10:48:04
